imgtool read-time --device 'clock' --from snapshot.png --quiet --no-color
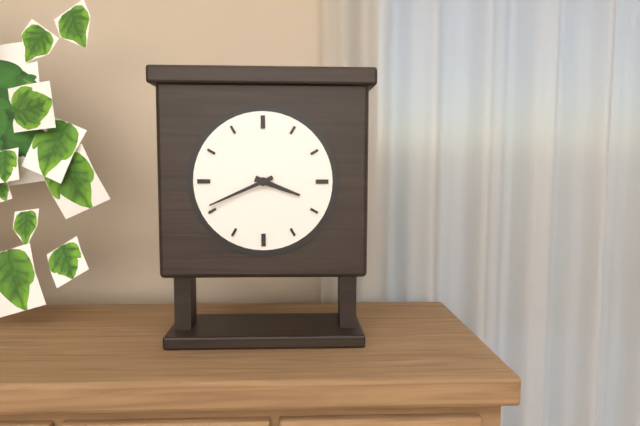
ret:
3:41
